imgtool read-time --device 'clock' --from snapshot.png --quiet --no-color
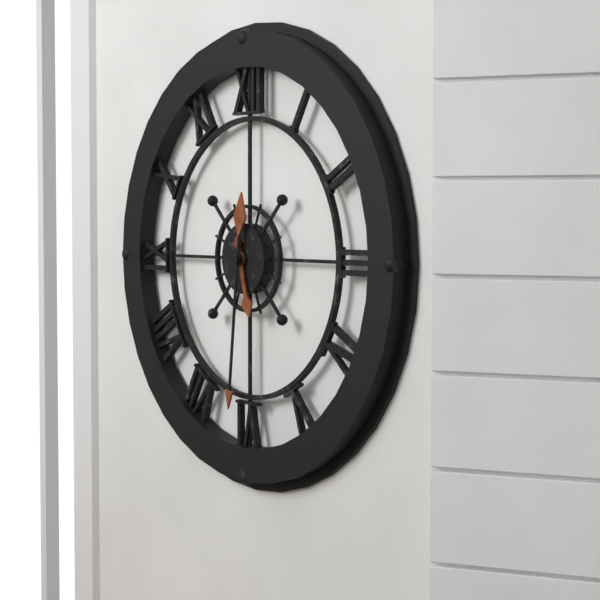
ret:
5:31
